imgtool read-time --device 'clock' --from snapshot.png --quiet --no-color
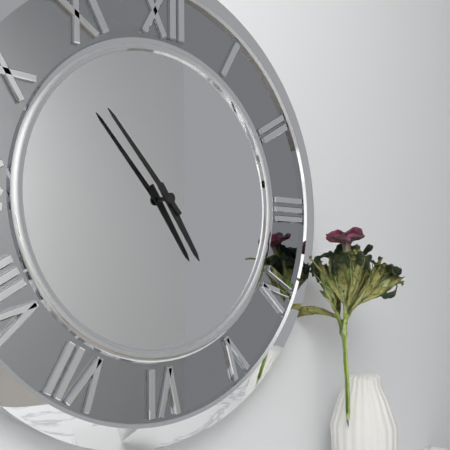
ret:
4:53
